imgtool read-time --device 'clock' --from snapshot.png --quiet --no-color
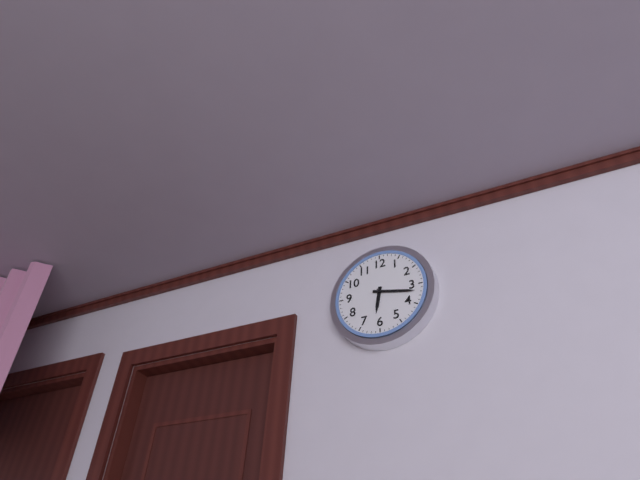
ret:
6:17
